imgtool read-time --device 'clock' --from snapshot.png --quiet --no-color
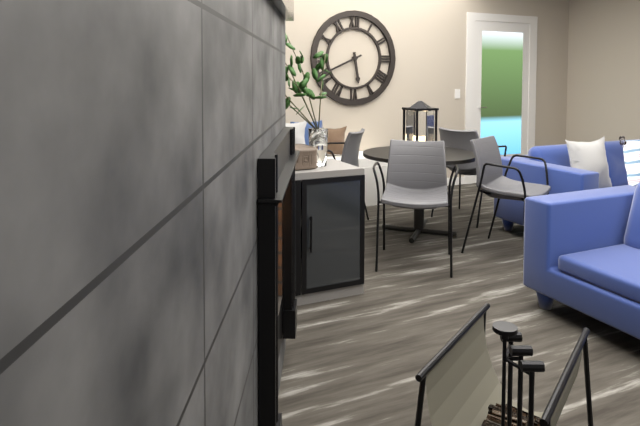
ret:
5:41
